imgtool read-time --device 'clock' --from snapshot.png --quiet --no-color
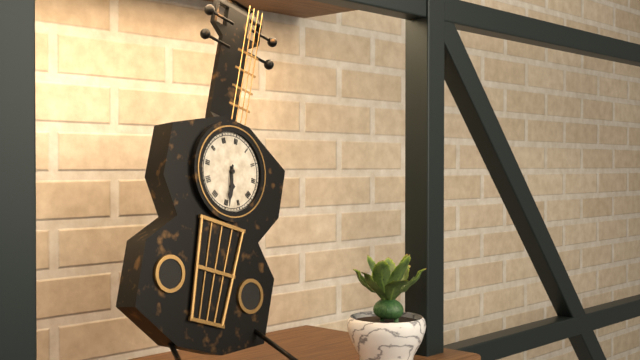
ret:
5:29
